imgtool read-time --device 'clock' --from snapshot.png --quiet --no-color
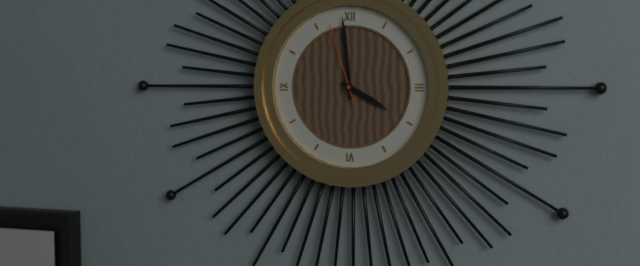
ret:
3:59:57
